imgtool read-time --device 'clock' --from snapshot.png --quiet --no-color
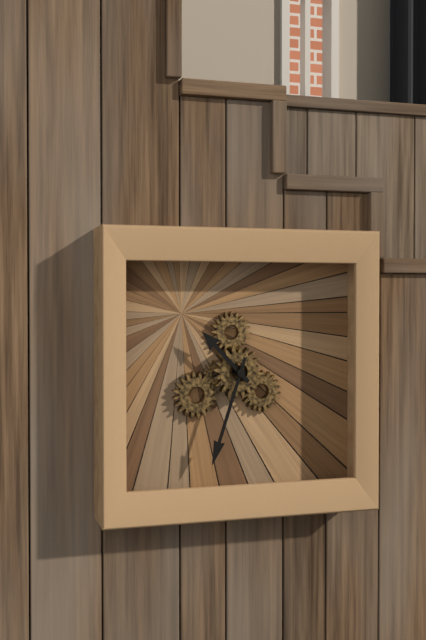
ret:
10:33
